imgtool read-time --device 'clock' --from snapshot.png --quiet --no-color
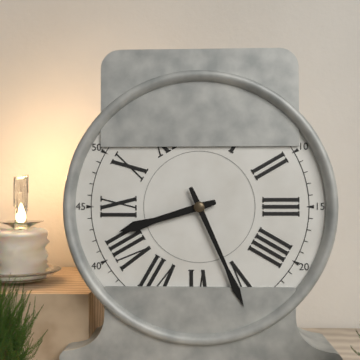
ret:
8:26
